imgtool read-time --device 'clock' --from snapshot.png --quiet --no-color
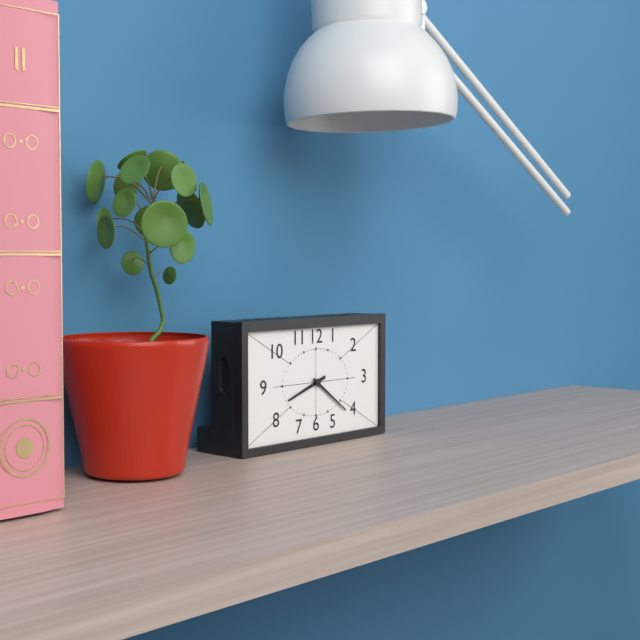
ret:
8:21
